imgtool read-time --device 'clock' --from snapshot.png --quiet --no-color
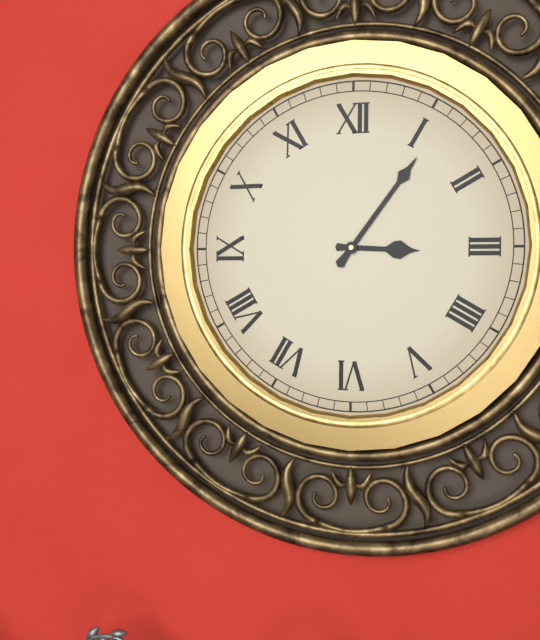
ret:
3:06
